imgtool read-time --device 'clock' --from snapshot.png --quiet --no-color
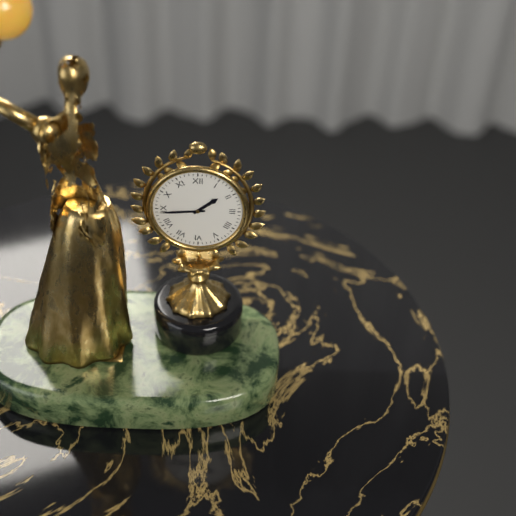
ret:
1:44
